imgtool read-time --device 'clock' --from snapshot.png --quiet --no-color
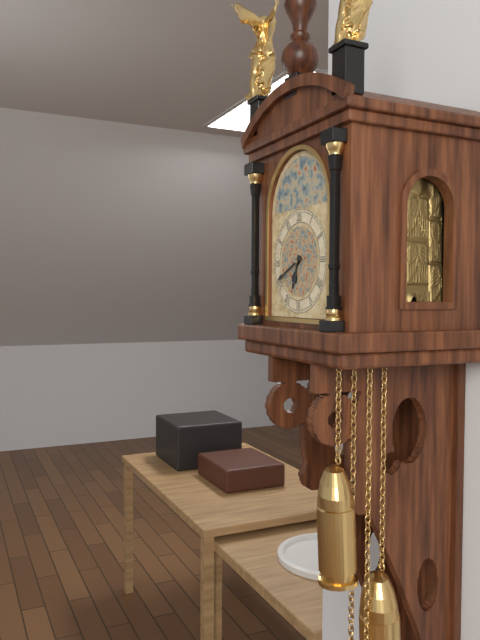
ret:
6:41
